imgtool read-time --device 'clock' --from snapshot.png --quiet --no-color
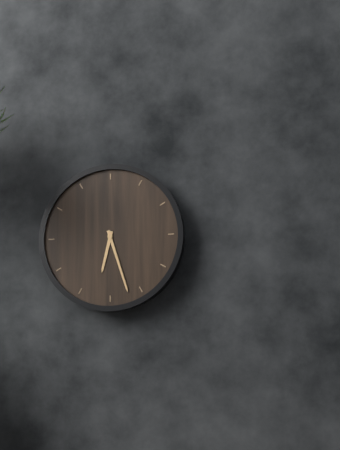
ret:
6:27
